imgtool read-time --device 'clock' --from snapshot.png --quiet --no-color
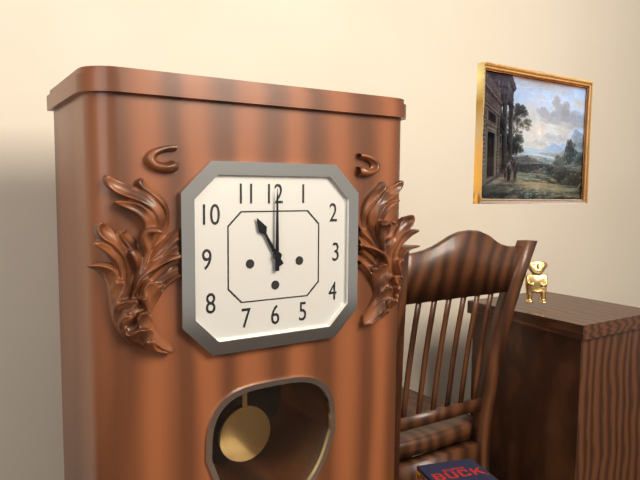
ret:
11:00
